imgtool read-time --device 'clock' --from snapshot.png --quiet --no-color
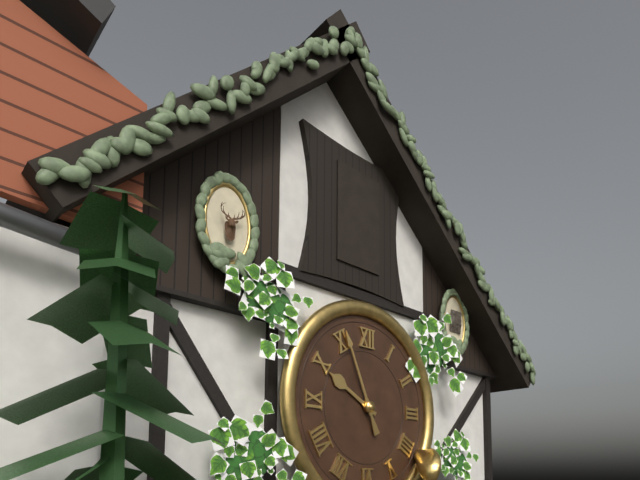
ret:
9:56
